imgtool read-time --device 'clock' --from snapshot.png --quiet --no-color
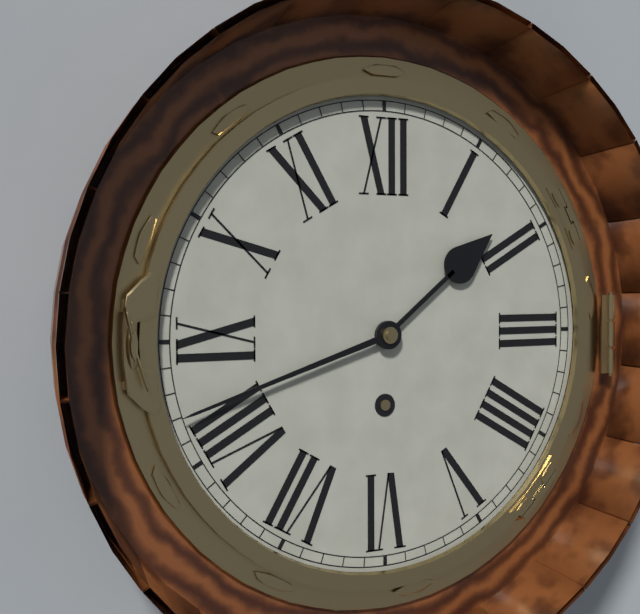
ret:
1:42
